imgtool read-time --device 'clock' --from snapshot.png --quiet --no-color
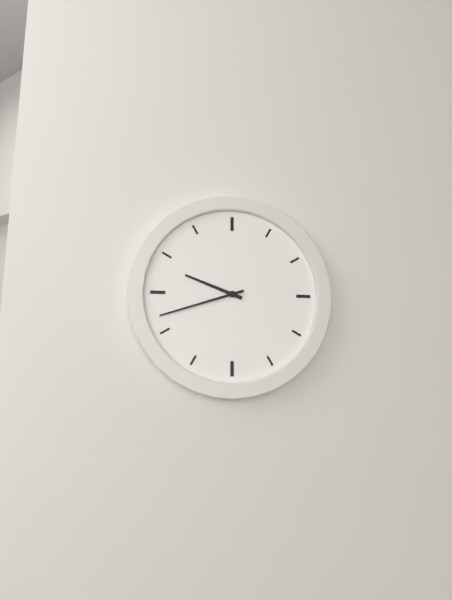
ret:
9:42
